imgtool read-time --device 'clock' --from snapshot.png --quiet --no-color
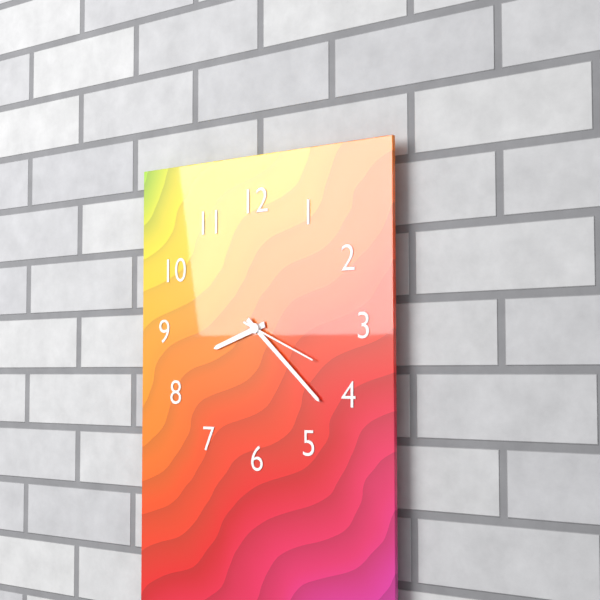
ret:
8:22:19
